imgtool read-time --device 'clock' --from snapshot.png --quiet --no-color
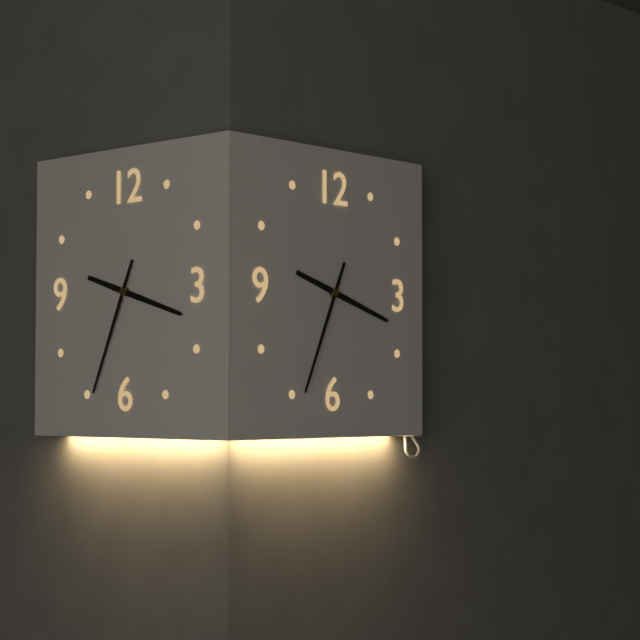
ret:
3:34
